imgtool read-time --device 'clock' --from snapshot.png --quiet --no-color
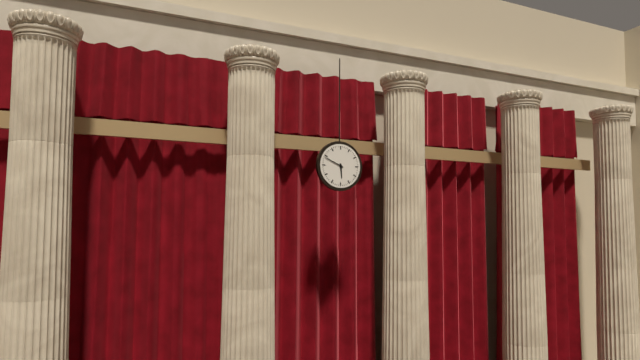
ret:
5:49
